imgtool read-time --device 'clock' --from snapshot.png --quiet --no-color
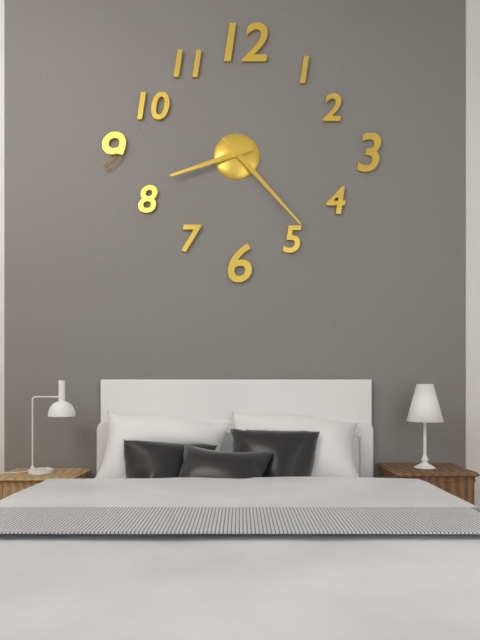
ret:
8:23
